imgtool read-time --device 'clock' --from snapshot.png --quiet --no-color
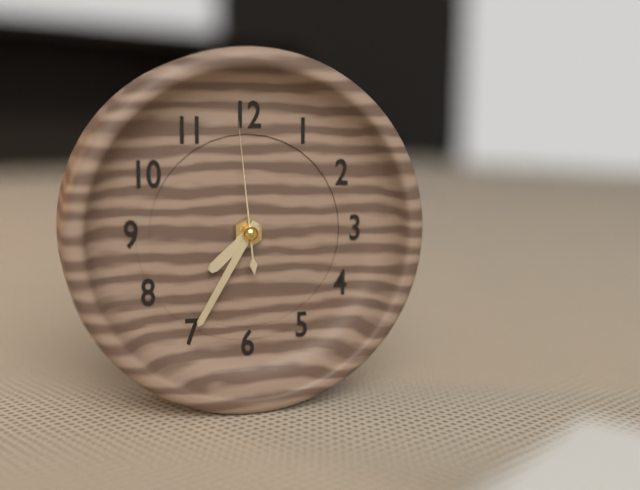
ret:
7:35:59
